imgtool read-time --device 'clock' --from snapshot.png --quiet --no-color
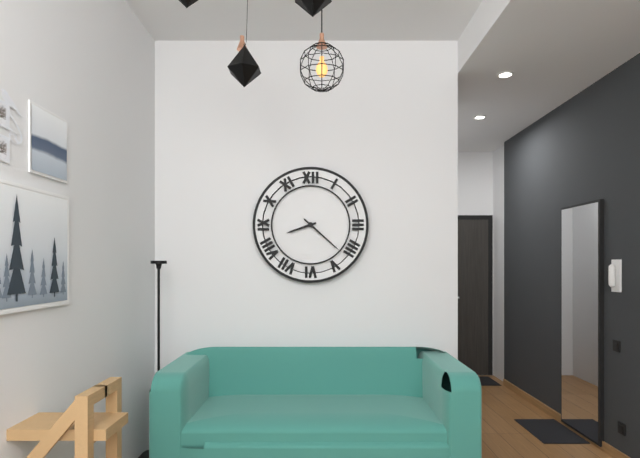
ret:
8:22
